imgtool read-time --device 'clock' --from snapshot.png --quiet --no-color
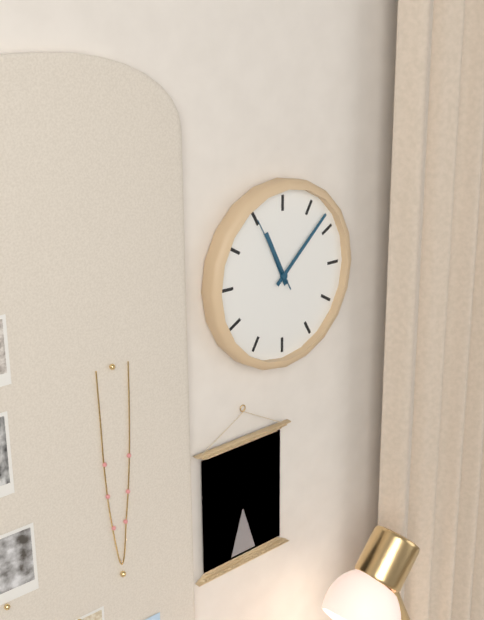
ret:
11:08:55
